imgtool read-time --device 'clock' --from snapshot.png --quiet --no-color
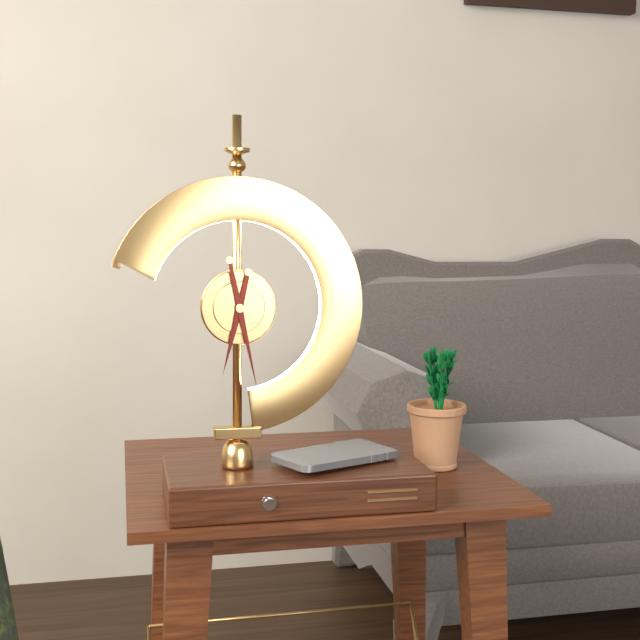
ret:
6:28
